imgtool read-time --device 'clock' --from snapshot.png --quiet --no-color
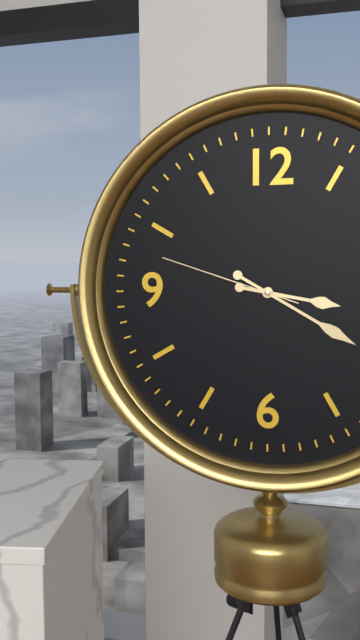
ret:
3:20:48
